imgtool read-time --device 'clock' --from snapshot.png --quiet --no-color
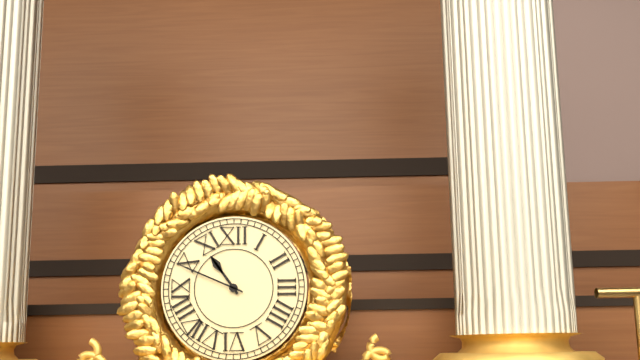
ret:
10:49
